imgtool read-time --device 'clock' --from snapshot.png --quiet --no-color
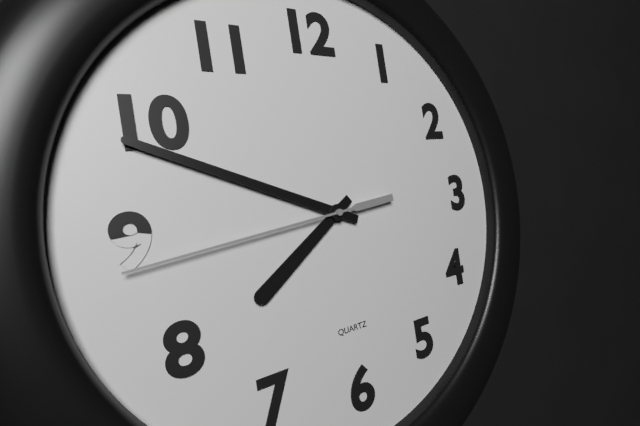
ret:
7:49:44
